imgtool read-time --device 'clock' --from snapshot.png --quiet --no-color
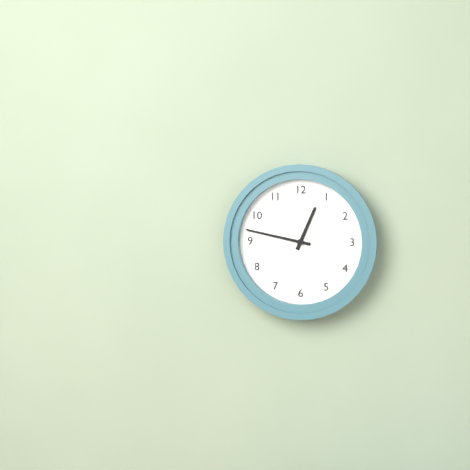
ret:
12:47
